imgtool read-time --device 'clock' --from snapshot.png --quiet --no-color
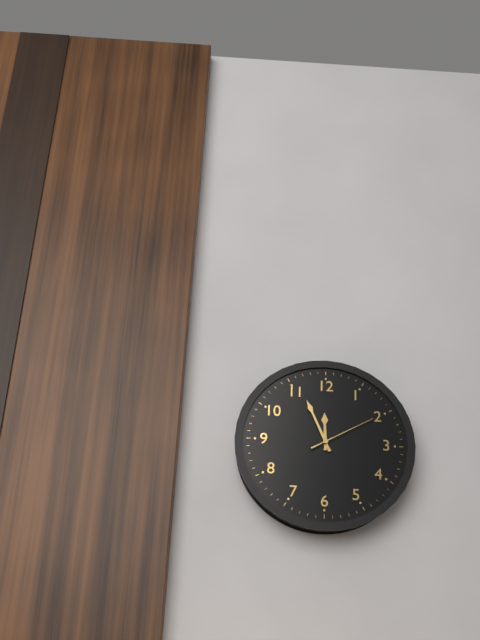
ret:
11:56:10
